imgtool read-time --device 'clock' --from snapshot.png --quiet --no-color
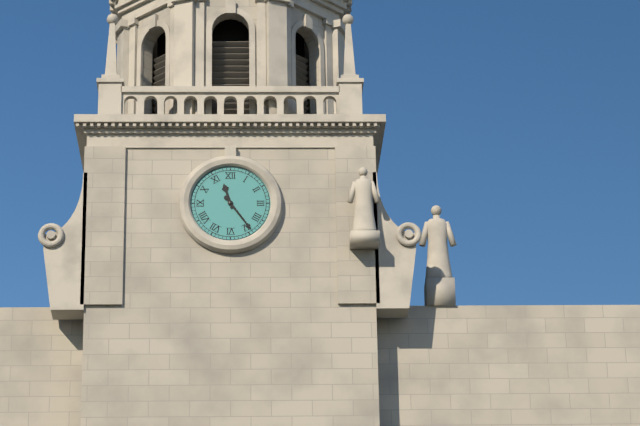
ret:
11:24
